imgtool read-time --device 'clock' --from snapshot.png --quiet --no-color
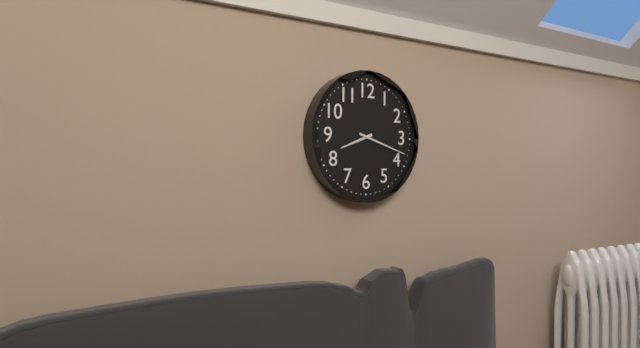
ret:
8:18
